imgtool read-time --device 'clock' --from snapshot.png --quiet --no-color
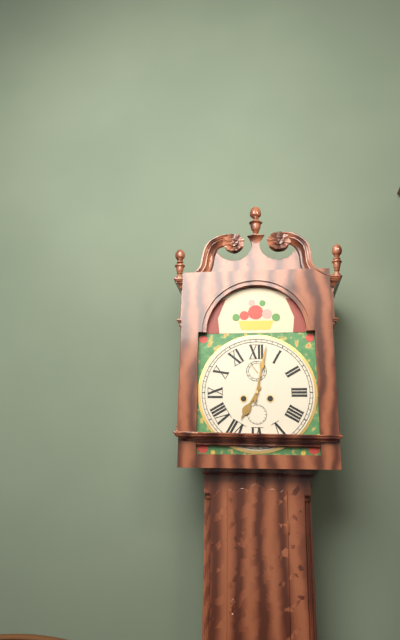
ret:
7:02
